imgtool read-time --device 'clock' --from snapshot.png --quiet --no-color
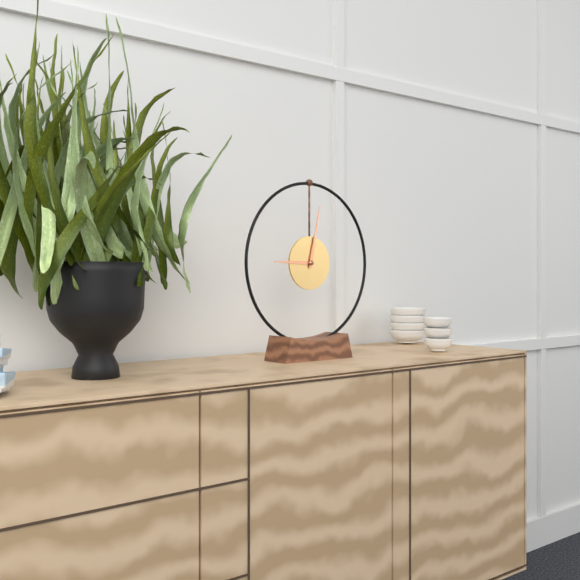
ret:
9:02
